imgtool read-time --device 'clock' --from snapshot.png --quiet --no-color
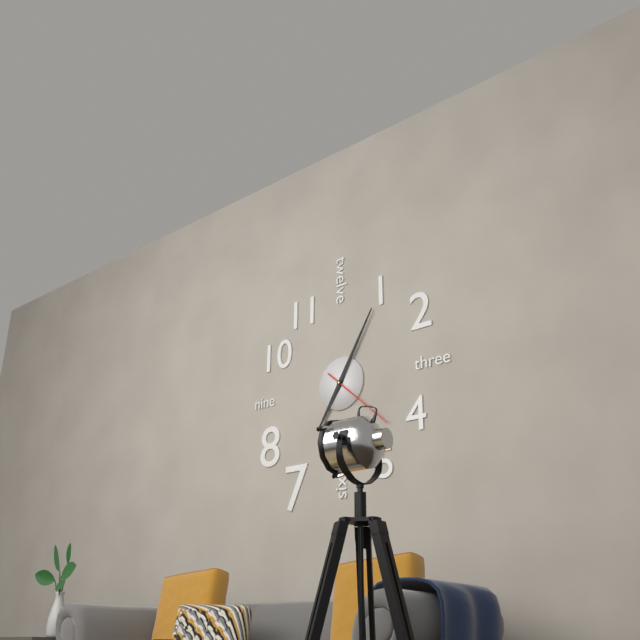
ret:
7:05:22
